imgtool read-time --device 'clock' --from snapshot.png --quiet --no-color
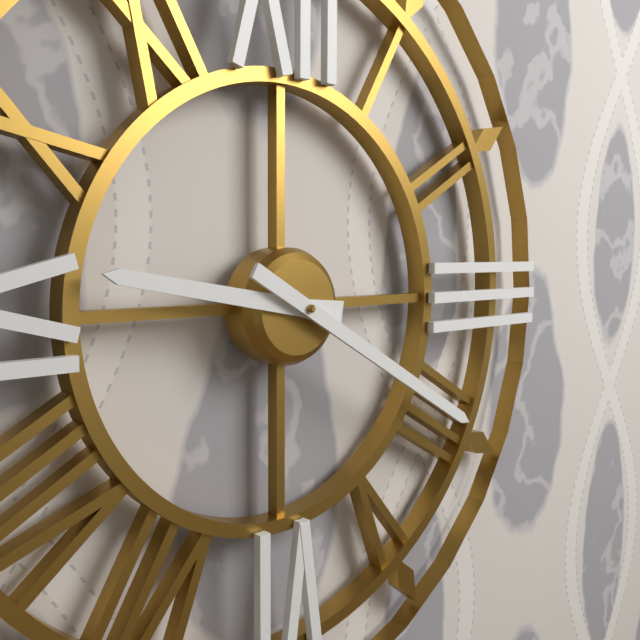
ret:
9:20
